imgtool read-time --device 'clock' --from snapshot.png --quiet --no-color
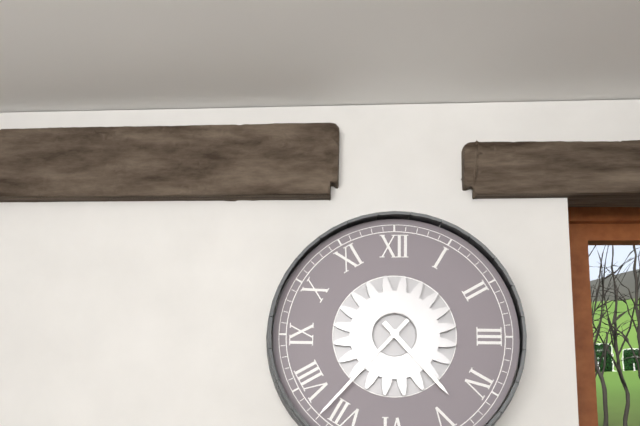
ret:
4:37
